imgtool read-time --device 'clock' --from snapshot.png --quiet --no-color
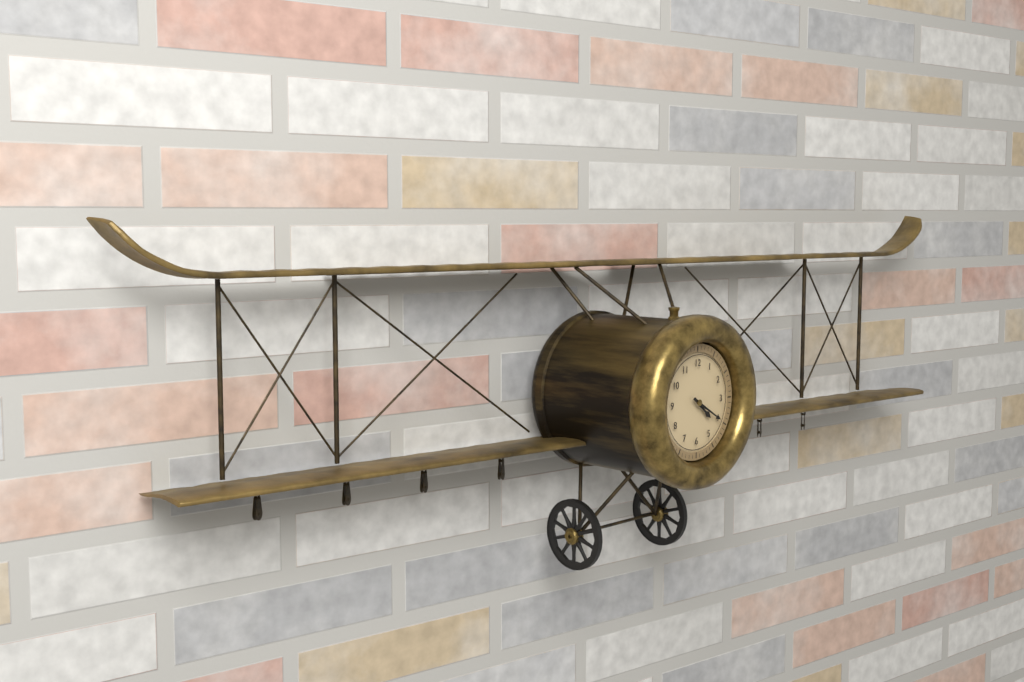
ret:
4:20
